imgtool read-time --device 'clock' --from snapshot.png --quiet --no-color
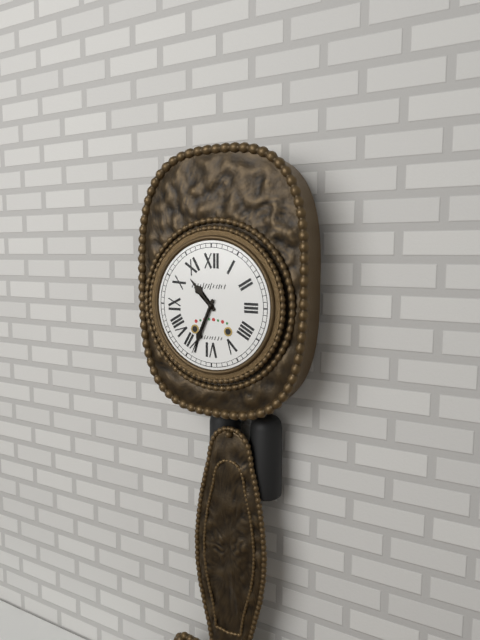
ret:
10:34
